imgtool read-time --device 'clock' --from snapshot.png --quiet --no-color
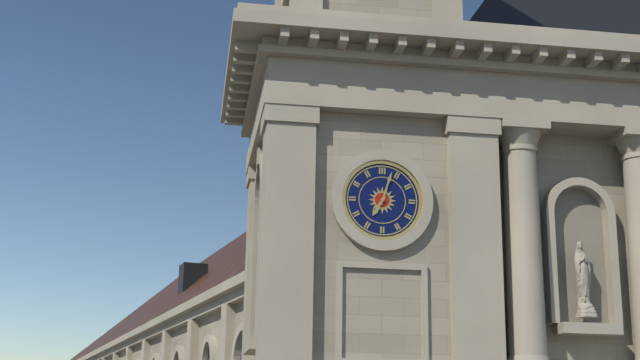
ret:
7:03
